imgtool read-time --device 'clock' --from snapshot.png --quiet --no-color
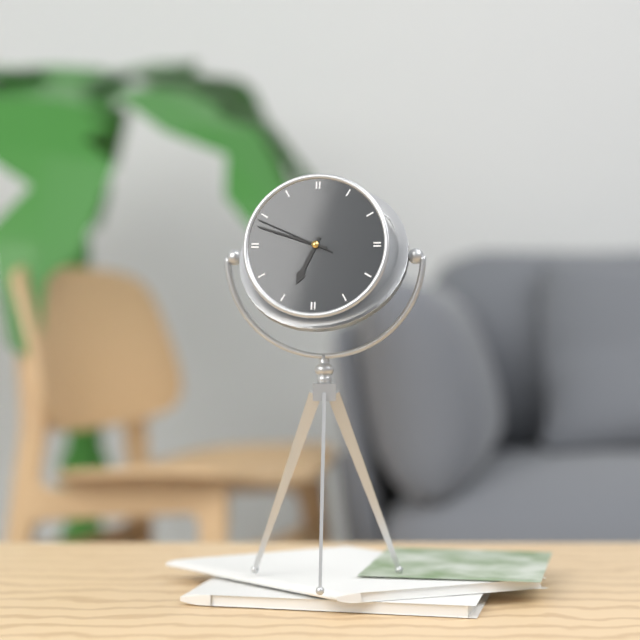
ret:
6:48:49
